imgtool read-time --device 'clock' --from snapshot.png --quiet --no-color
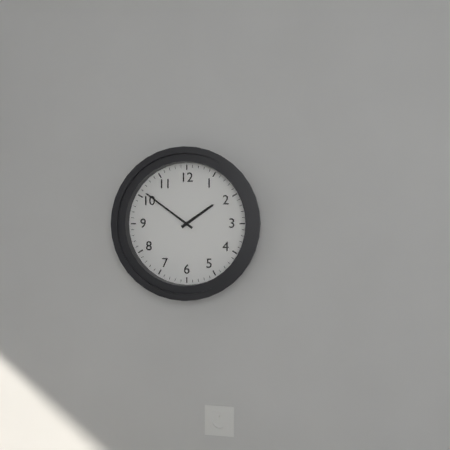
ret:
1:51
